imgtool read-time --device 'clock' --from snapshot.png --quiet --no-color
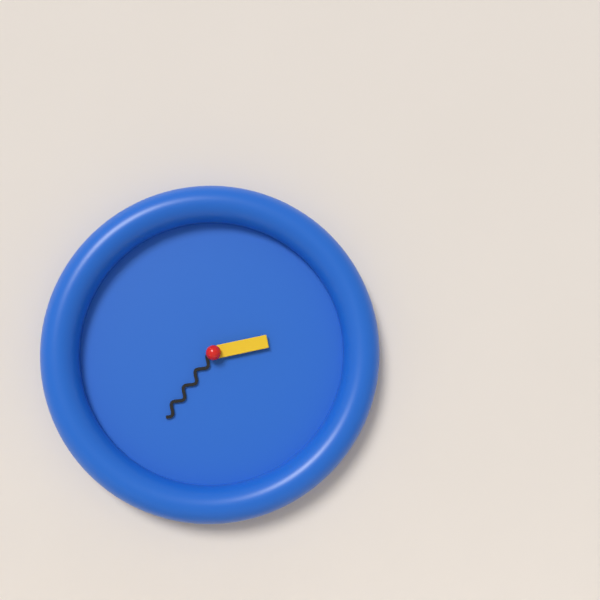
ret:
2:36
